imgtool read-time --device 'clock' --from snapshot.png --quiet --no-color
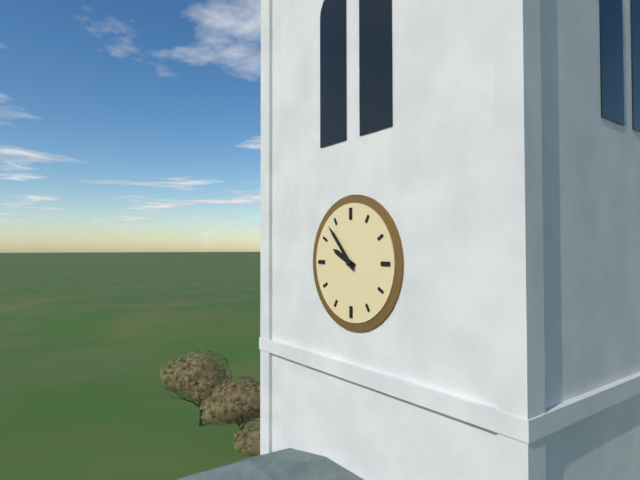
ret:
9:53
